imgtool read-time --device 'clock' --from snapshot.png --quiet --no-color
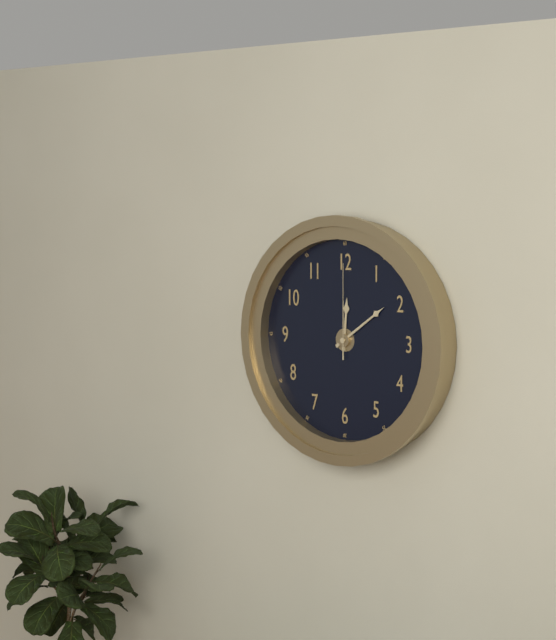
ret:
12:09:00
